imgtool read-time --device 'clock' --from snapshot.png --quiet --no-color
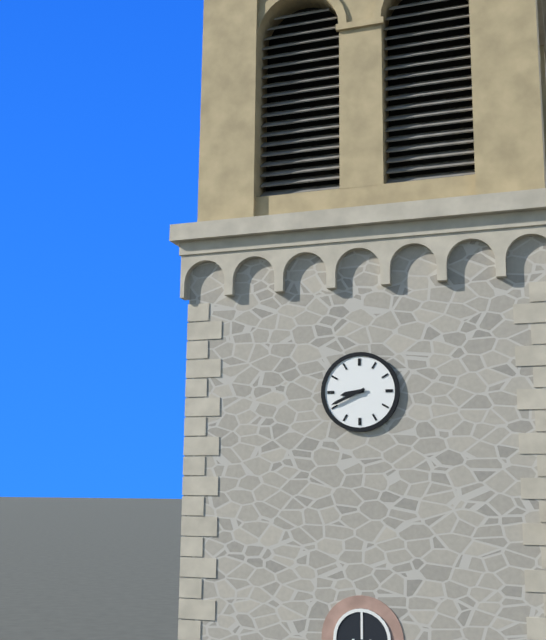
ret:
8:41
